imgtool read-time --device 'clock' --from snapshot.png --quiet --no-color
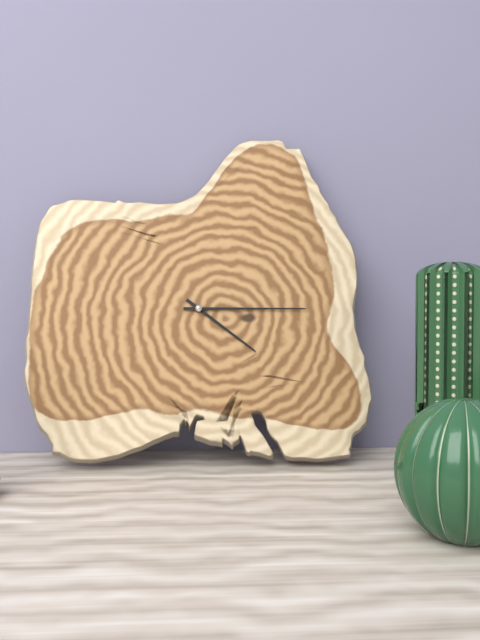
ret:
4:15
